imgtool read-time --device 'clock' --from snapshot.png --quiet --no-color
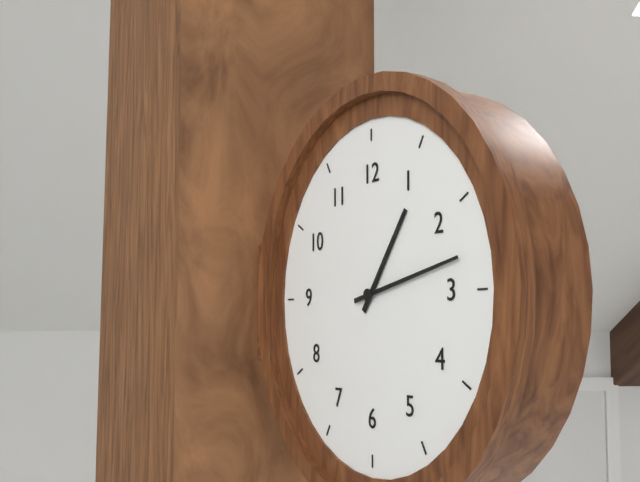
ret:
1:13
